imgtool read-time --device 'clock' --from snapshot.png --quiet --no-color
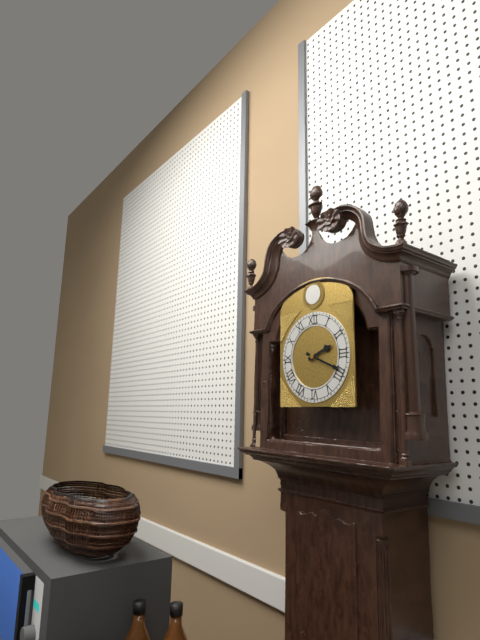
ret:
2:19
